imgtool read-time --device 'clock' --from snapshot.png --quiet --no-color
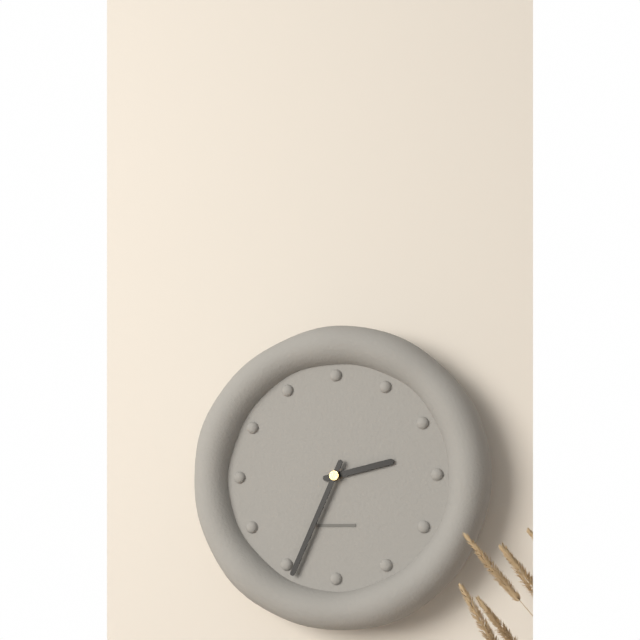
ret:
2:34
